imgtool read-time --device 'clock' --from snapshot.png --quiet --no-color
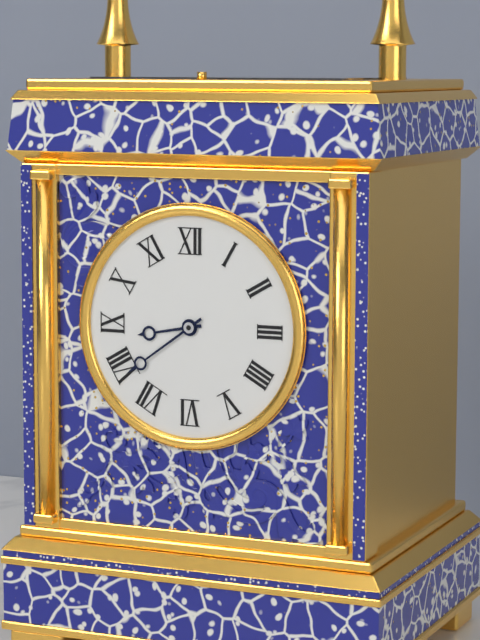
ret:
8:39
